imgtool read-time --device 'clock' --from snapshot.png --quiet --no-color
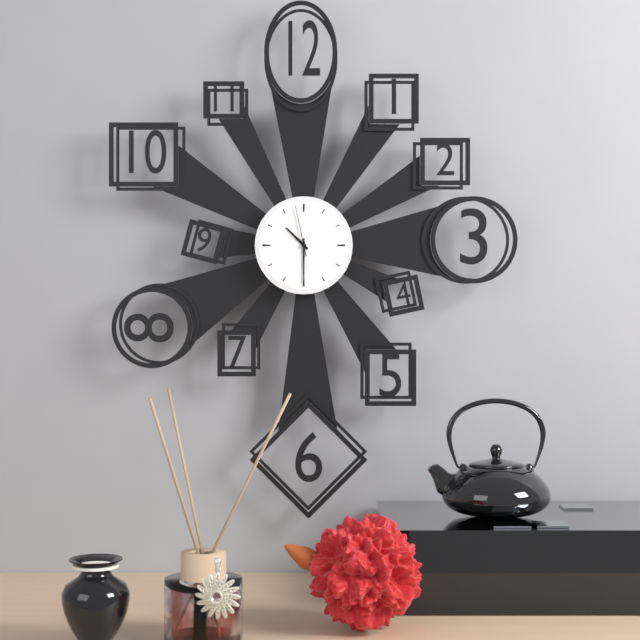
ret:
10:30:58
